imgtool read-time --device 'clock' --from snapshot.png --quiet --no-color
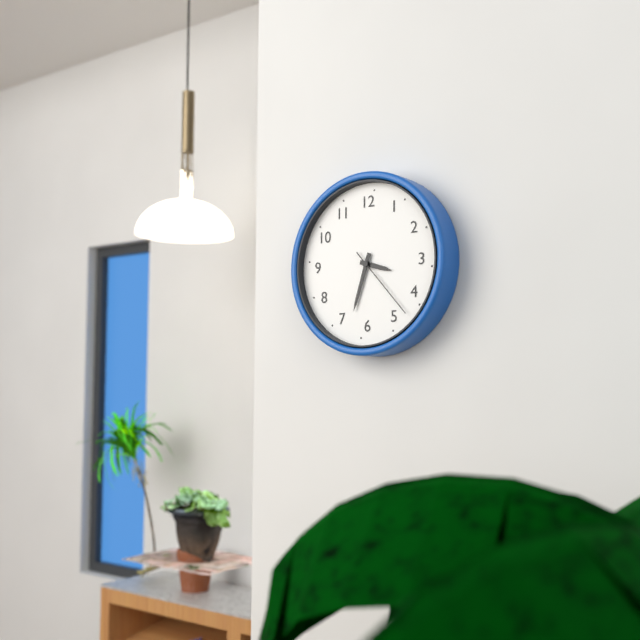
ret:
3:33:23
